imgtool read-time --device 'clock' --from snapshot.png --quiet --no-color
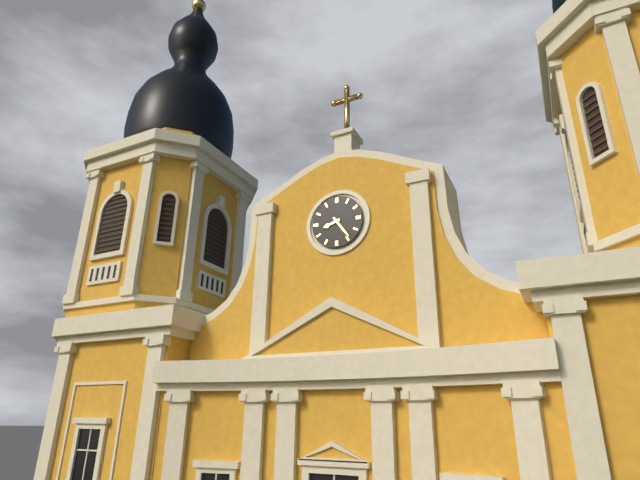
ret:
8:24
